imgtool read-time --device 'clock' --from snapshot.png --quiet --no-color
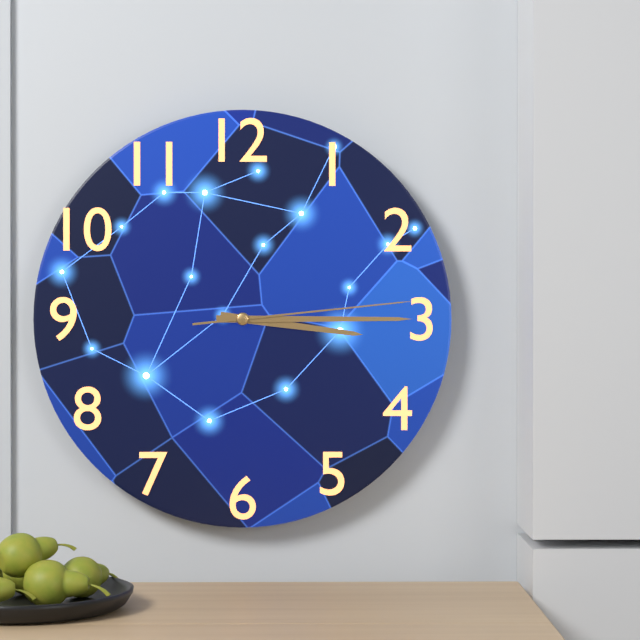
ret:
3:15:14
